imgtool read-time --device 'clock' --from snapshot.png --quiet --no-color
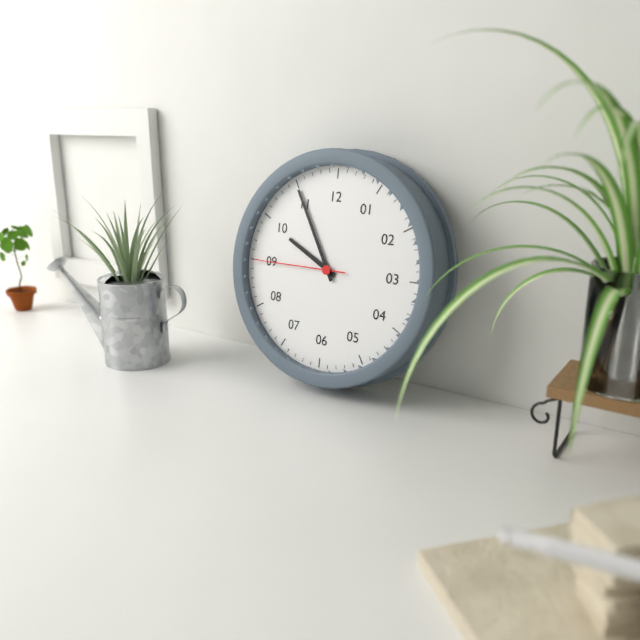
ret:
9:55:45
